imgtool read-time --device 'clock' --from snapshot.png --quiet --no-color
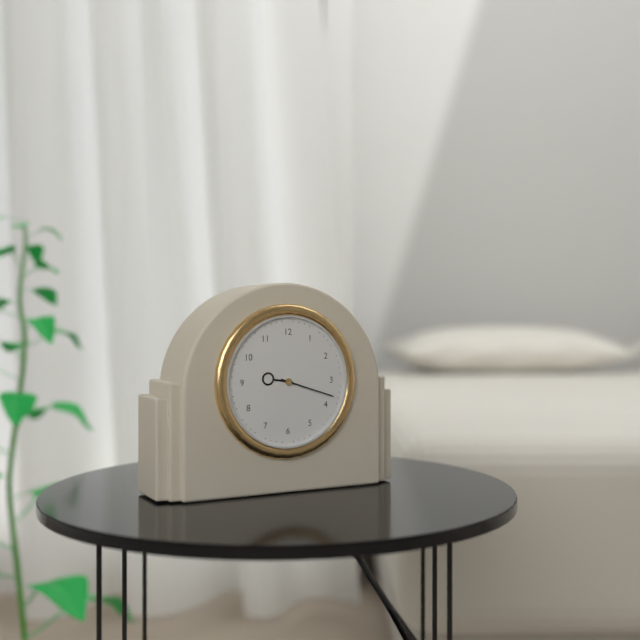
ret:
9:18
